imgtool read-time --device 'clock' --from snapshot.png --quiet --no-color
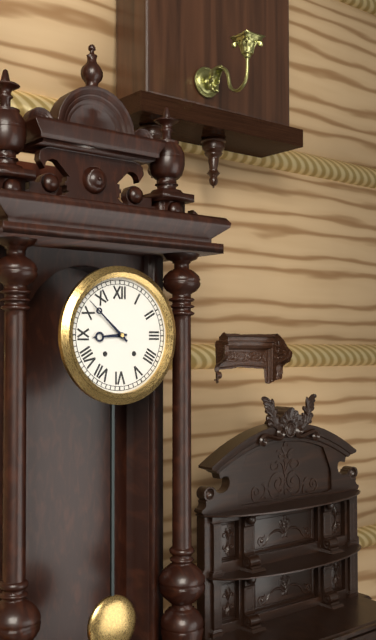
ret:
8:52
